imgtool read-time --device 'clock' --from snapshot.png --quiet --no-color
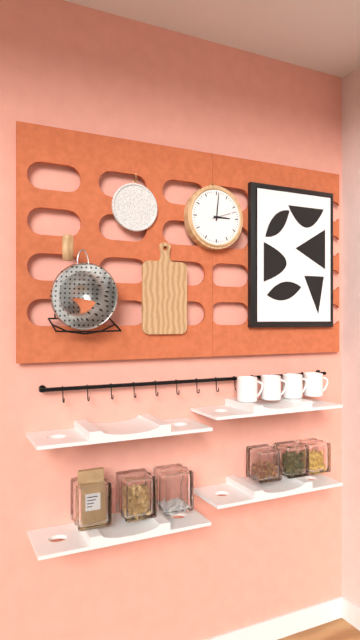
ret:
3:01
